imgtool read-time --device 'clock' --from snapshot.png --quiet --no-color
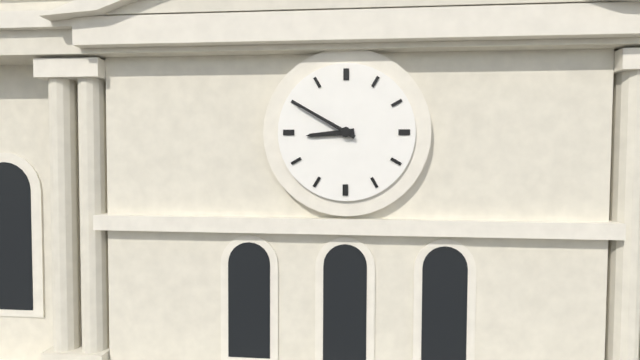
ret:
8:50
